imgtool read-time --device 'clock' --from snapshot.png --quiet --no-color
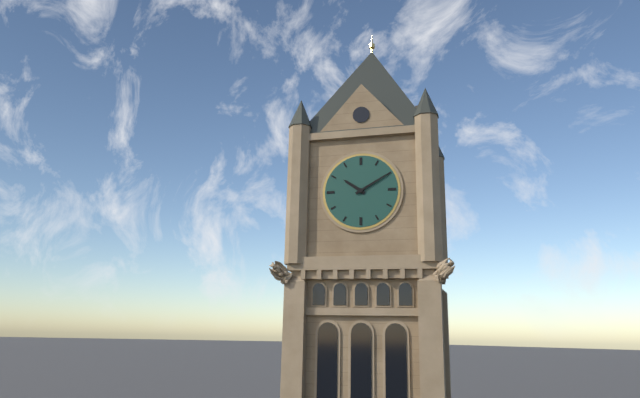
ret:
10:10
